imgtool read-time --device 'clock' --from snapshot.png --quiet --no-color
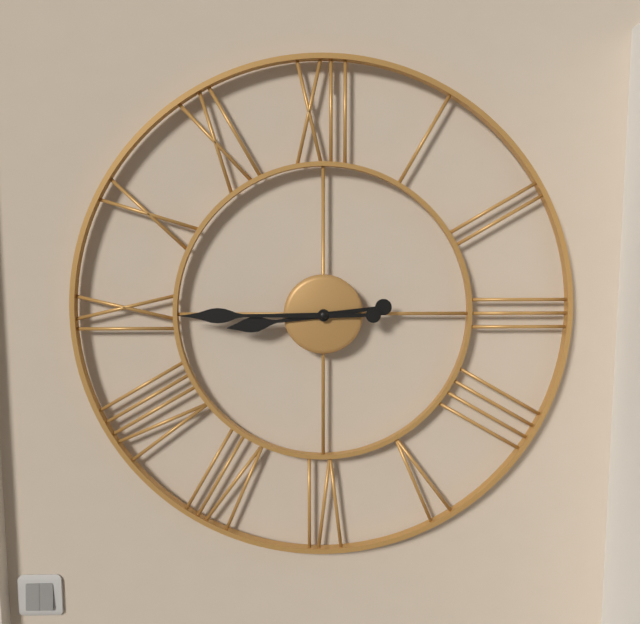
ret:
8:45
